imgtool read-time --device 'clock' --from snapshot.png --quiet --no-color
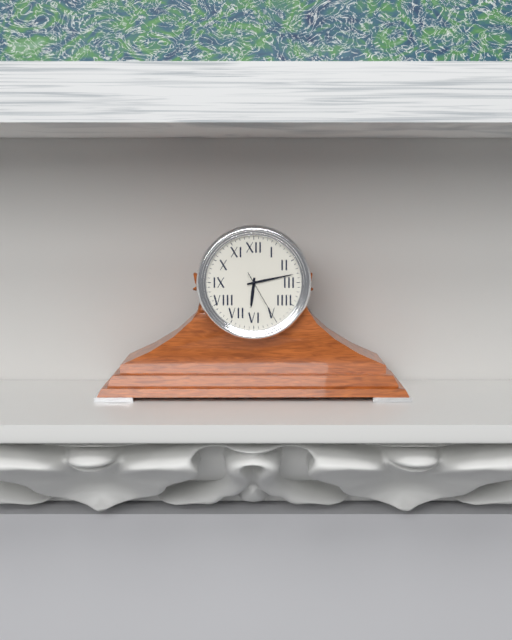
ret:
6:13:25
